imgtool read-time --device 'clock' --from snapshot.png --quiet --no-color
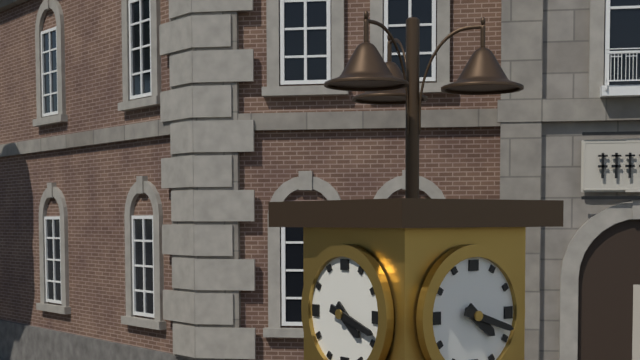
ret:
4:18
